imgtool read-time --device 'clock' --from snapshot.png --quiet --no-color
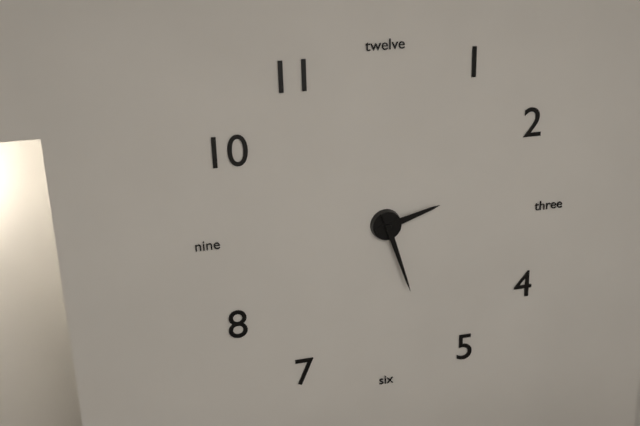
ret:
2:27
